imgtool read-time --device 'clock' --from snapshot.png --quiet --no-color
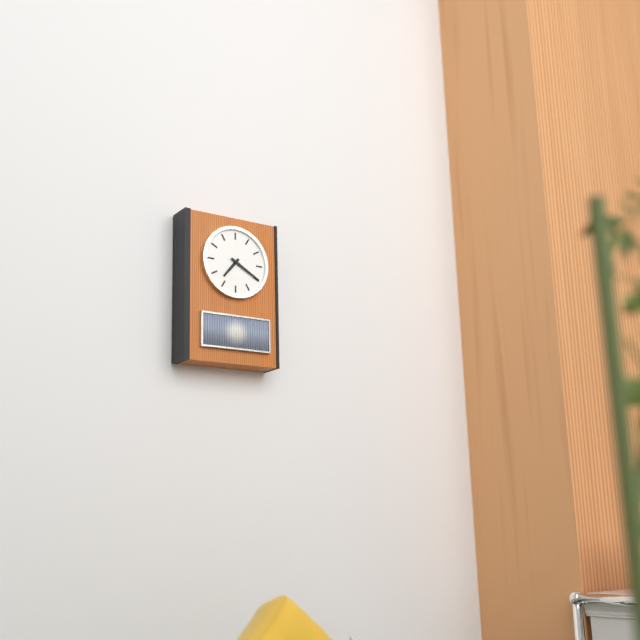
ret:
7:20
